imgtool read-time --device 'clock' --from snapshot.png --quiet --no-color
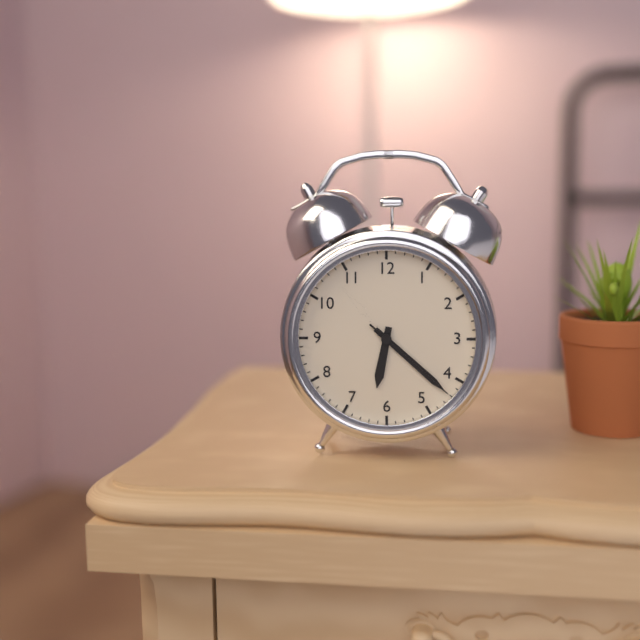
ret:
6:22:22
